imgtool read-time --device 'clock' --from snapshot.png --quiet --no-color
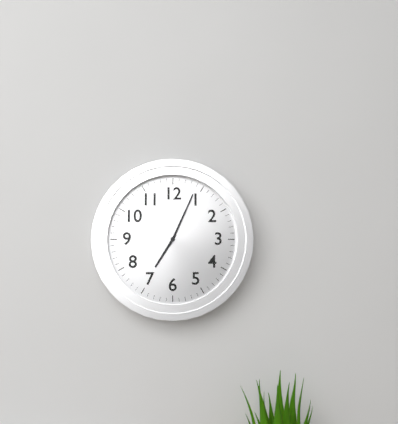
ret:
7:04
